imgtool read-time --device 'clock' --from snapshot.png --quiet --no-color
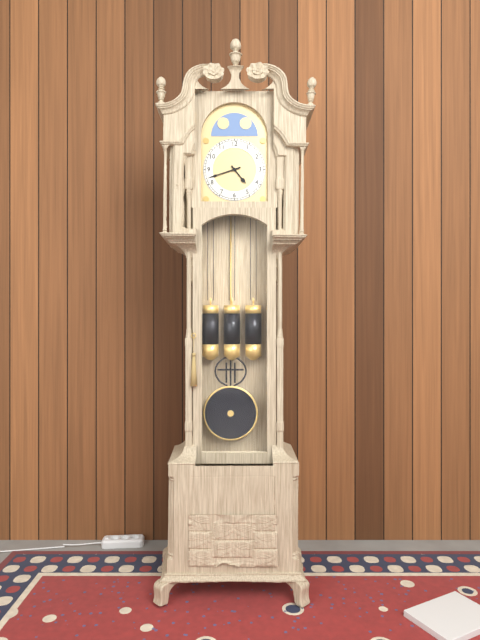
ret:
4:42
